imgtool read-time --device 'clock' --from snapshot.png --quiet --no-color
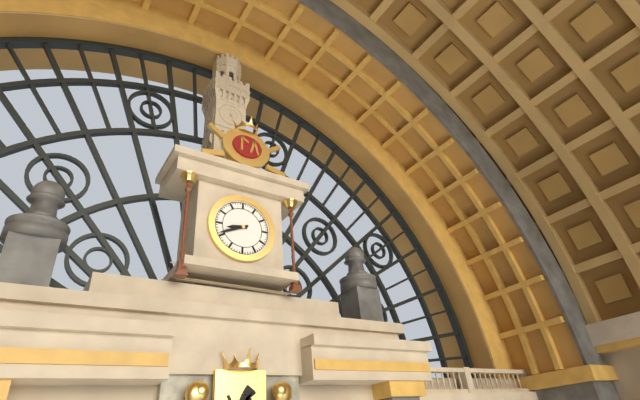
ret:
8:41
